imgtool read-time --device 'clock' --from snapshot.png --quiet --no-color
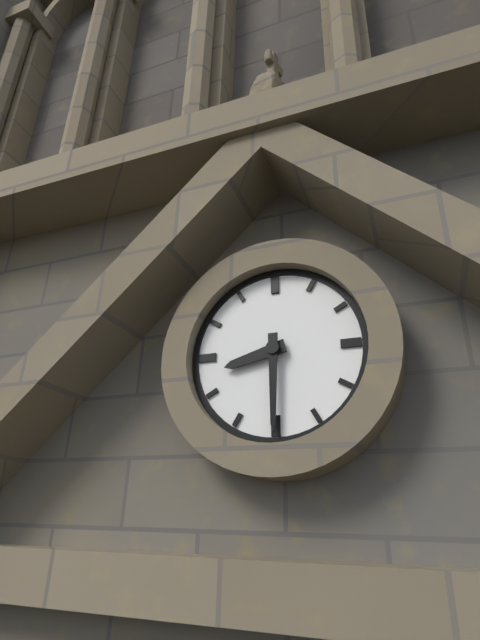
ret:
8:30
